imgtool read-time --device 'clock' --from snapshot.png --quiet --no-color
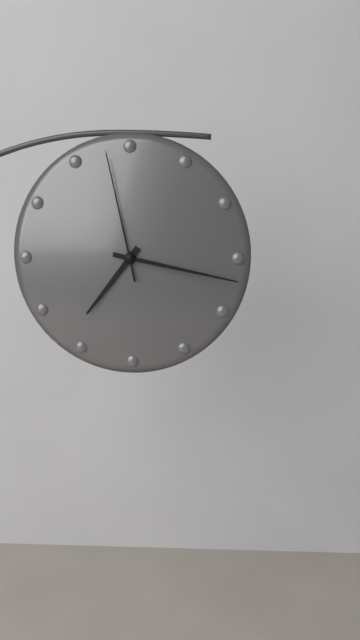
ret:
7:17:58
